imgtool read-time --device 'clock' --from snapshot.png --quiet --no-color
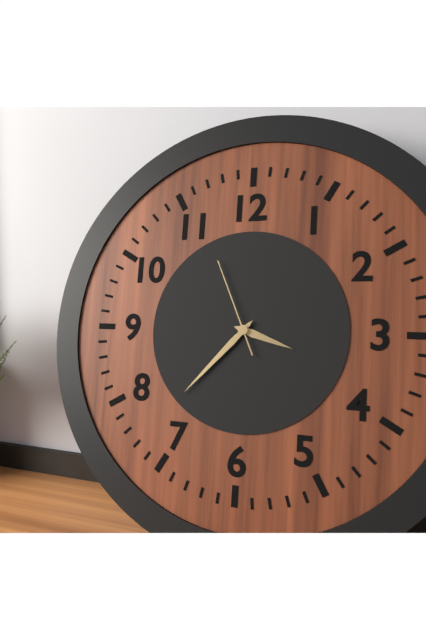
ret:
3:37:56
